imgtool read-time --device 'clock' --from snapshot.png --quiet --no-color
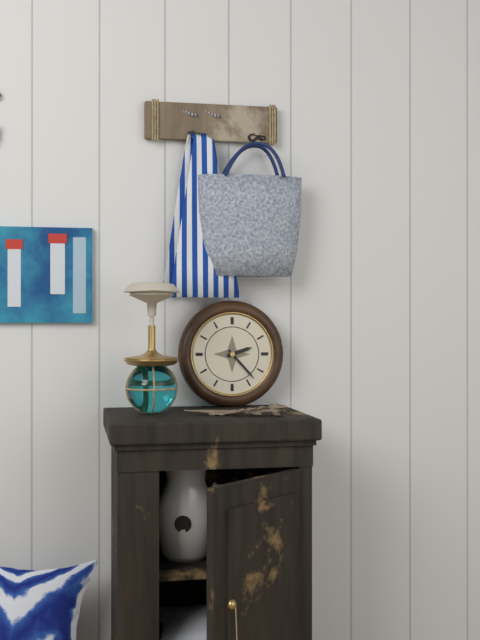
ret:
2:23
